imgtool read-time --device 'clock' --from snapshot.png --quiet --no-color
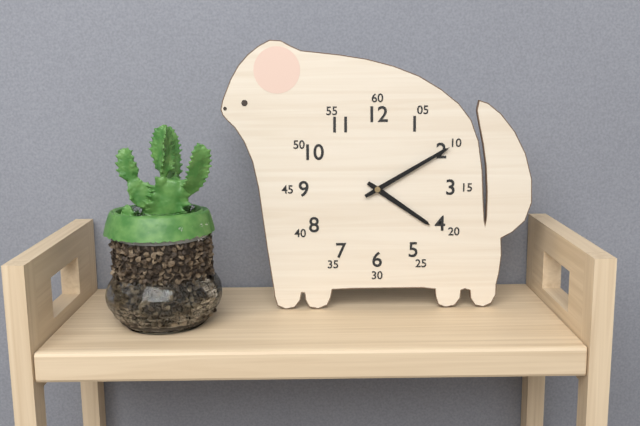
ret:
4:10
